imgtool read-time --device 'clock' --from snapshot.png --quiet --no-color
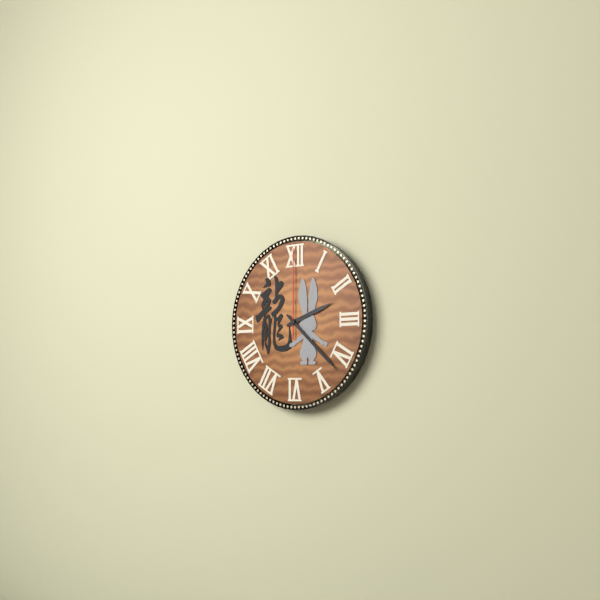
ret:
2:22:00
